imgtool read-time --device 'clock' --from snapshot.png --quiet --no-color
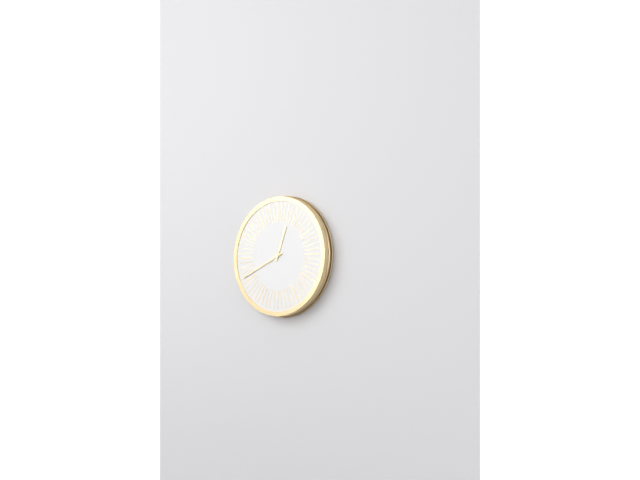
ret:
12:41
